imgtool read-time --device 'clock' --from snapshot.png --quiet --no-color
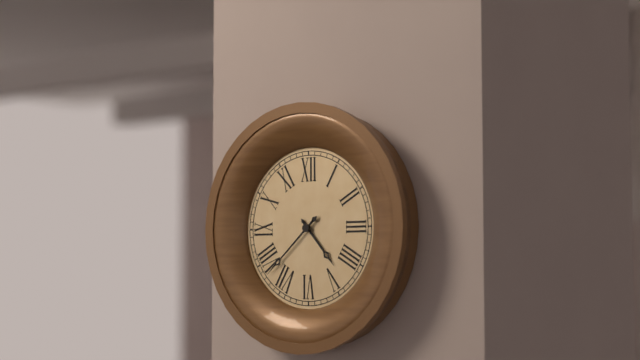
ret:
4:38
